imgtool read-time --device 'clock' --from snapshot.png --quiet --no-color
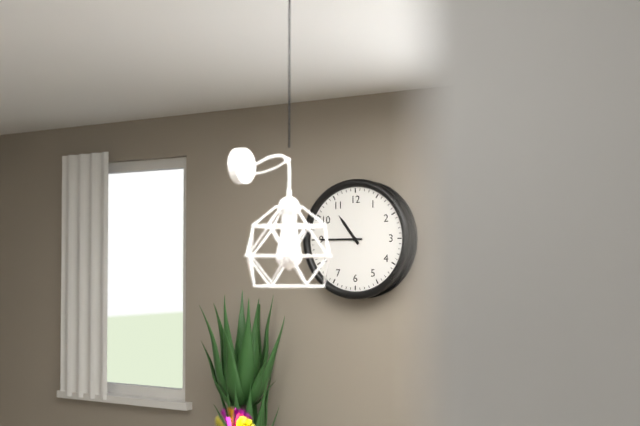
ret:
10:45
